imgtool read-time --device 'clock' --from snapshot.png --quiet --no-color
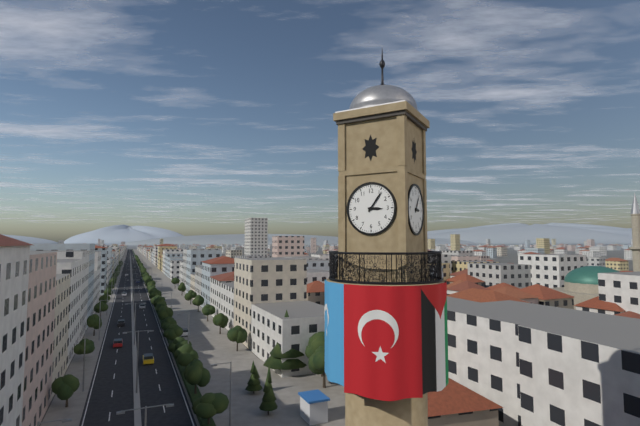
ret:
3:06
